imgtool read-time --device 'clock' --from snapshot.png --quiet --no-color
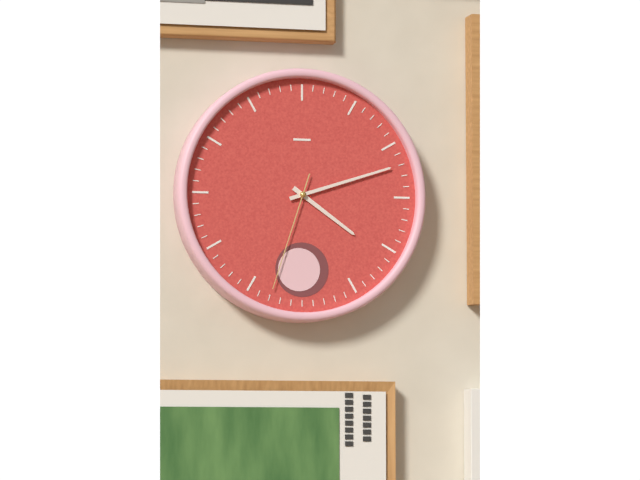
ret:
4:12:33
